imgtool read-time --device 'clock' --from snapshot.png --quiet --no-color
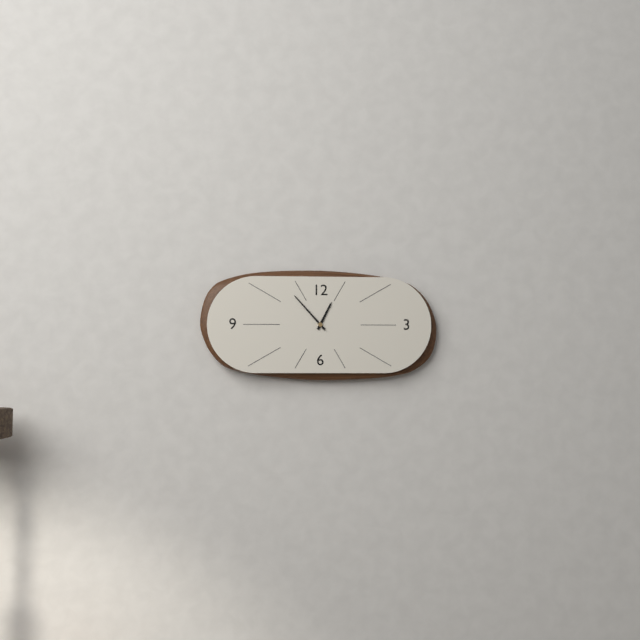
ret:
12:53
